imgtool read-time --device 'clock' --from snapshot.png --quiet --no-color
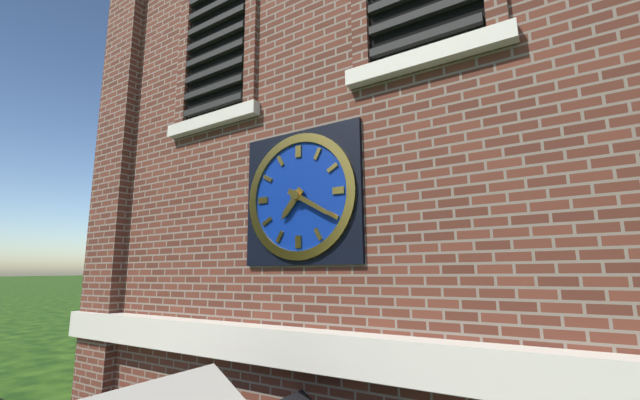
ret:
7:20
